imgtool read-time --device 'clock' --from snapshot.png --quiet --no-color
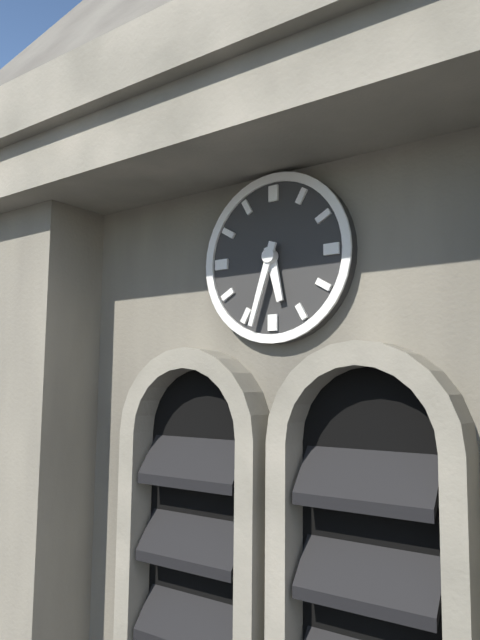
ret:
5:33
